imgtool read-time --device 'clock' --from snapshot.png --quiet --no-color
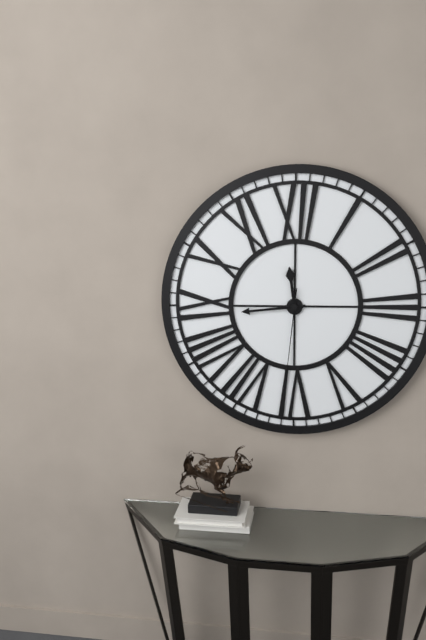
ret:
11:44:31
